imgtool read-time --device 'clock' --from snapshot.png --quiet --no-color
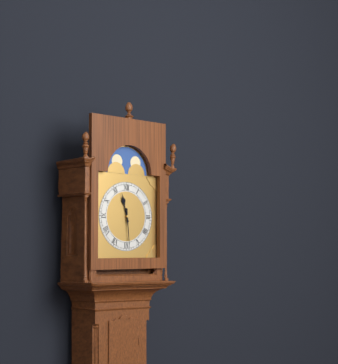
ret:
11:29
